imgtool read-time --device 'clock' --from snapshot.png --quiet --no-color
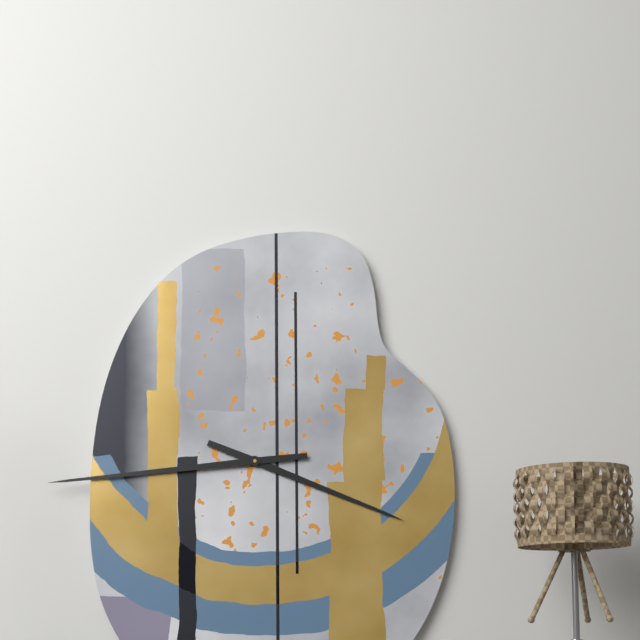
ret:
3:44
